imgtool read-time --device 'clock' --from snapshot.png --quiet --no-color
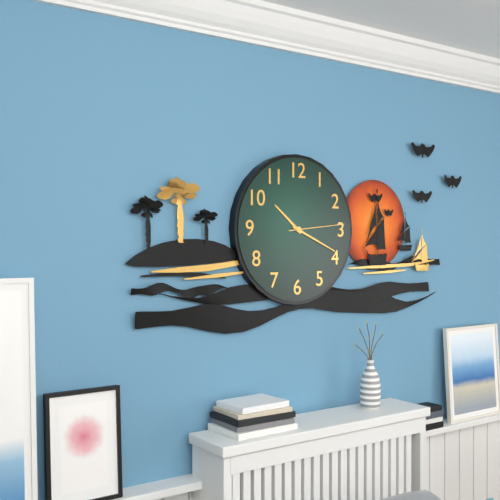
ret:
10:19:14
